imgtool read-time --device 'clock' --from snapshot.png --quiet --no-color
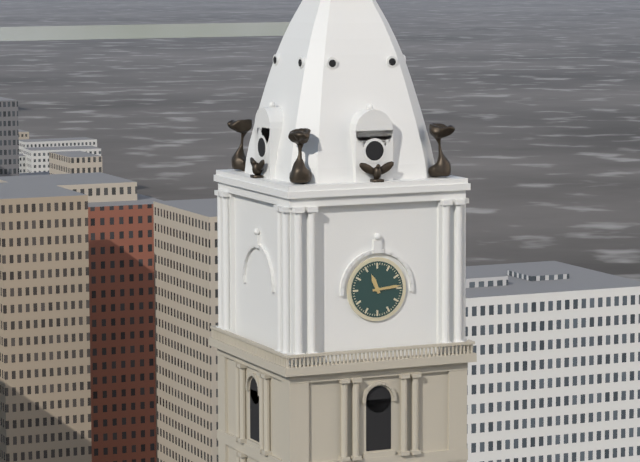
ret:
11:14
